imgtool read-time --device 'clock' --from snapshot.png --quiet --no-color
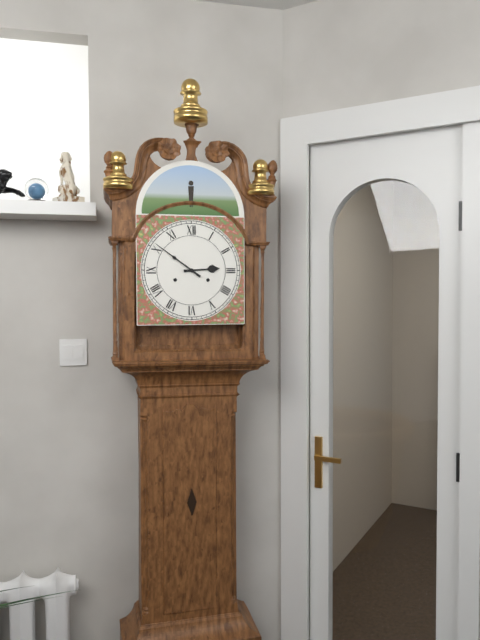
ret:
2:51
